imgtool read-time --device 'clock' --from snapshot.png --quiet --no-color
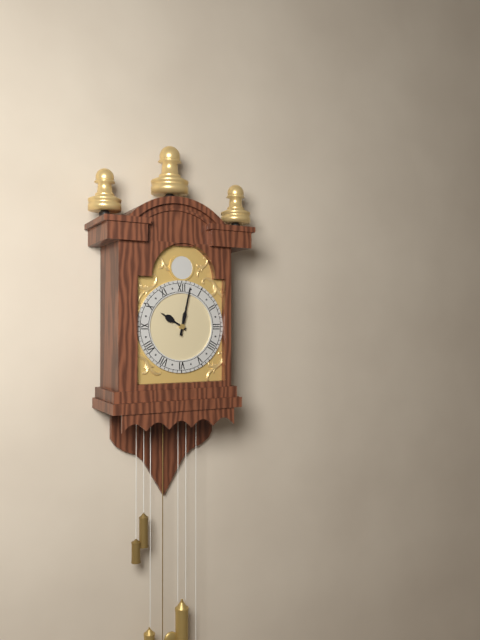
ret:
10:02
